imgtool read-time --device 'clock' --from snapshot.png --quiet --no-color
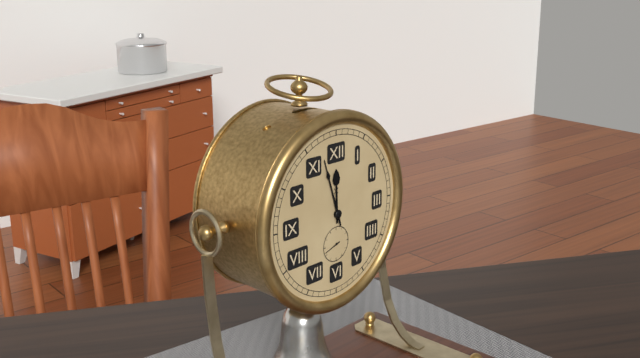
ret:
11:57
